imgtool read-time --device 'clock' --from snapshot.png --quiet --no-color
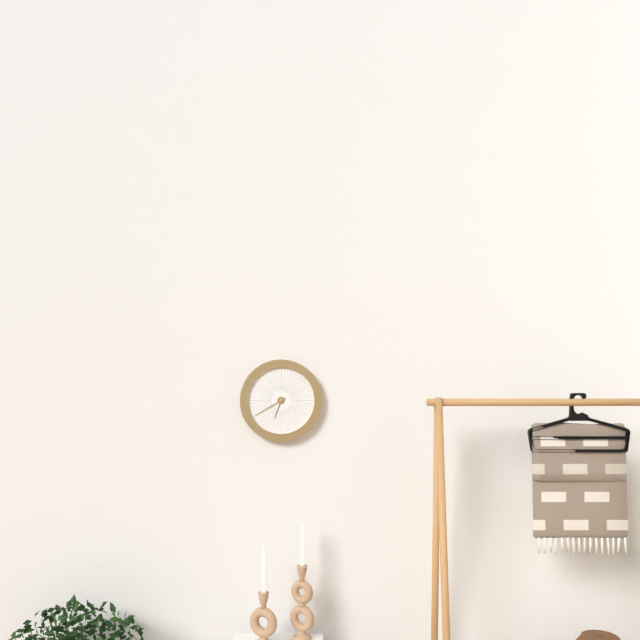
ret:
6:40
